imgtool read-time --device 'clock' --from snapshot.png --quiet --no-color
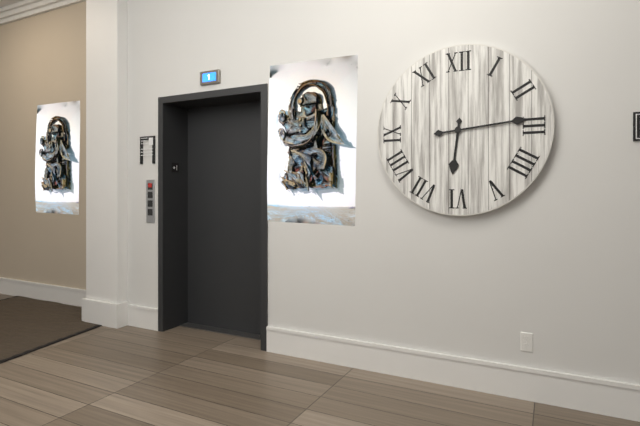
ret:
6:14
